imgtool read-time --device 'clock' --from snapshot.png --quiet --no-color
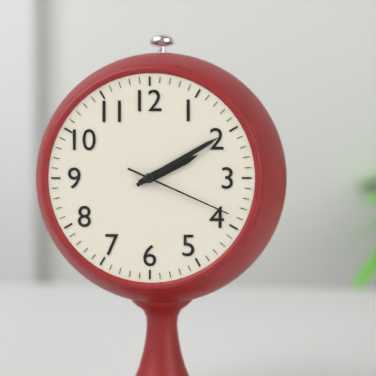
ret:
2:10:19
